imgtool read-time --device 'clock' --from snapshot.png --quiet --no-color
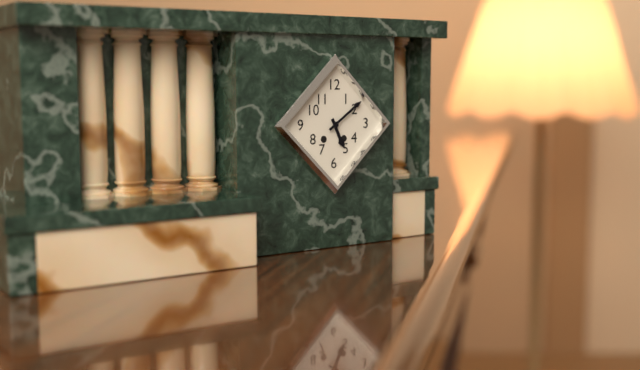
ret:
5:09
